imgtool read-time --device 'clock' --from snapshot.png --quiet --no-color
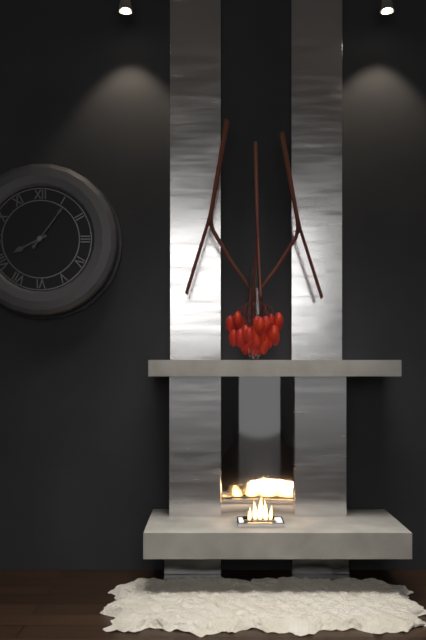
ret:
8:06
